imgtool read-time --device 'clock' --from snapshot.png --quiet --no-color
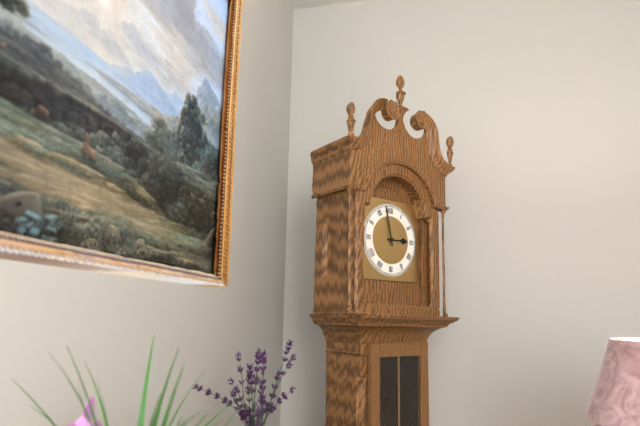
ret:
2:58
